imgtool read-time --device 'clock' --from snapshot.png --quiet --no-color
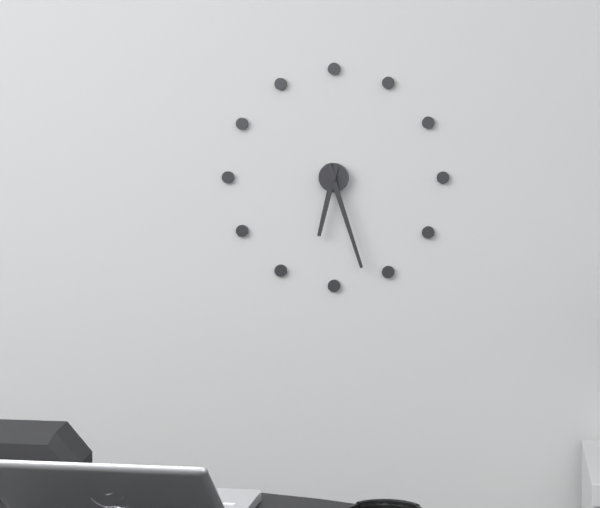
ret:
6:27
